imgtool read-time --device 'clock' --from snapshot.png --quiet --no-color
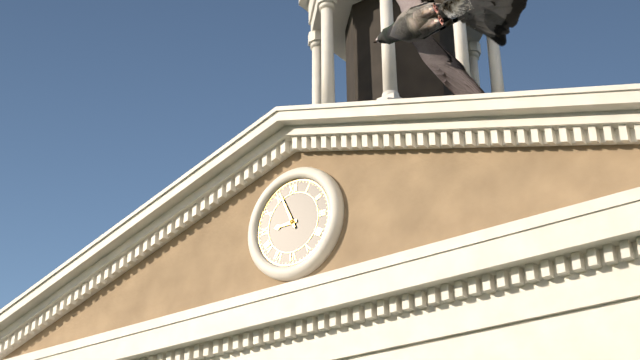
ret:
8:56
